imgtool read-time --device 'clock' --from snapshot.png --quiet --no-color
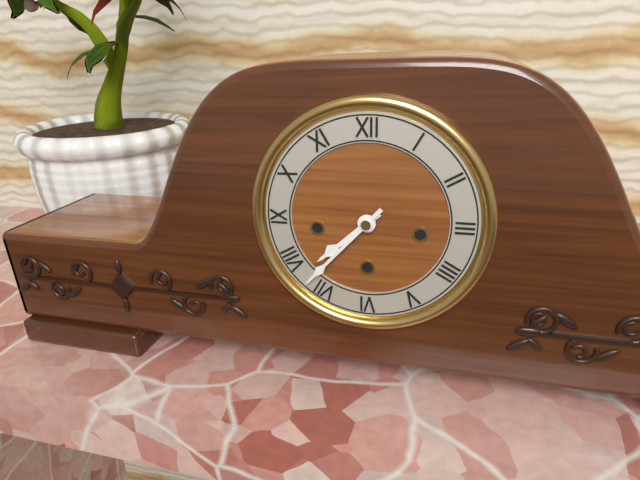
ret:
7:37
